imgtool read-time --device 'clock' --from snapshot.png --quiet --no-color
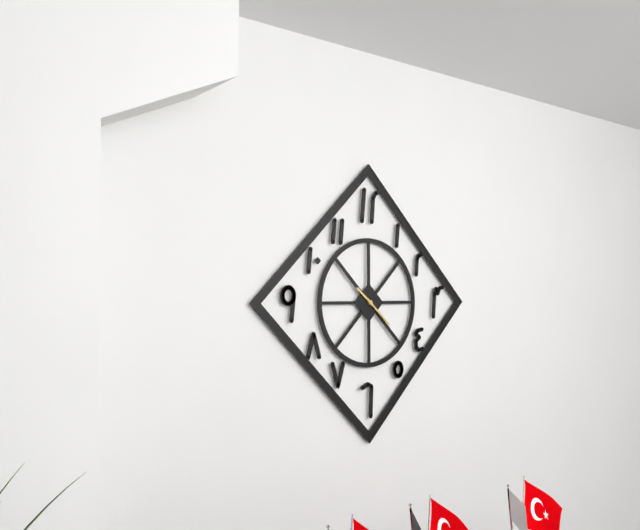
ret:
10:22
